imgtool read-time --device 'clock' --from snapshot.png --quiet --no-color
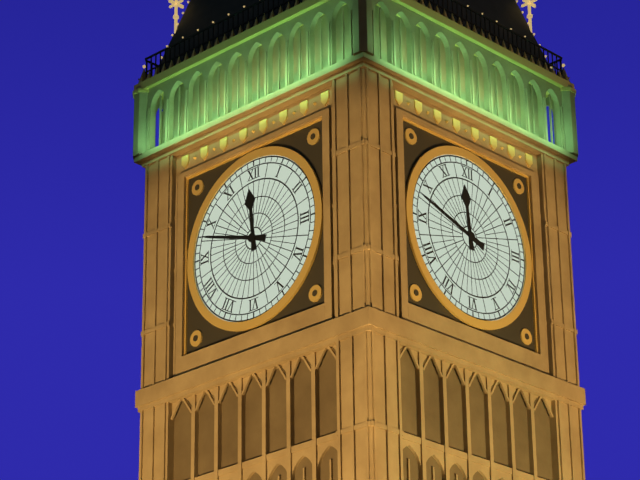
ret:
11:48
